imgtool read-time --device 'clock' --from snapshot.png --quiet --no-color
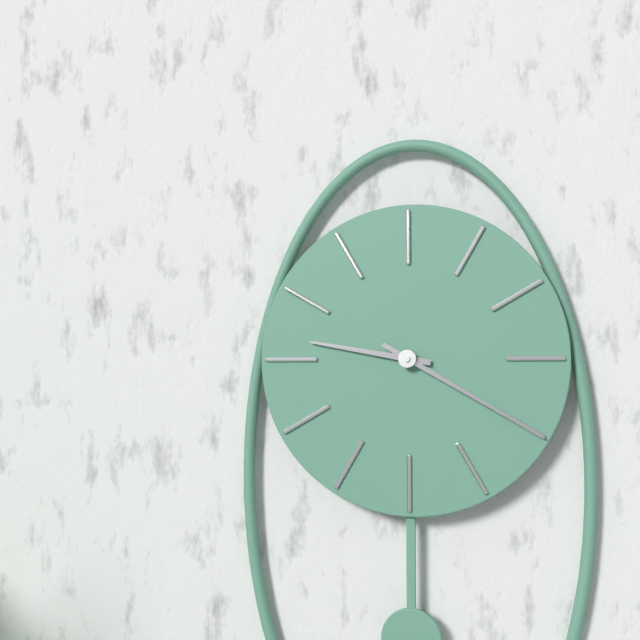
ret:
9:20
